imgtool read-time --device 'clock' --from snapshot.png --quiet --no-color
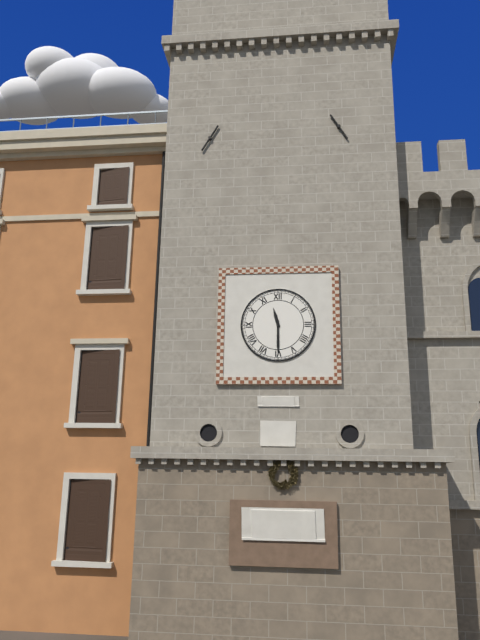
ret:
11:30
